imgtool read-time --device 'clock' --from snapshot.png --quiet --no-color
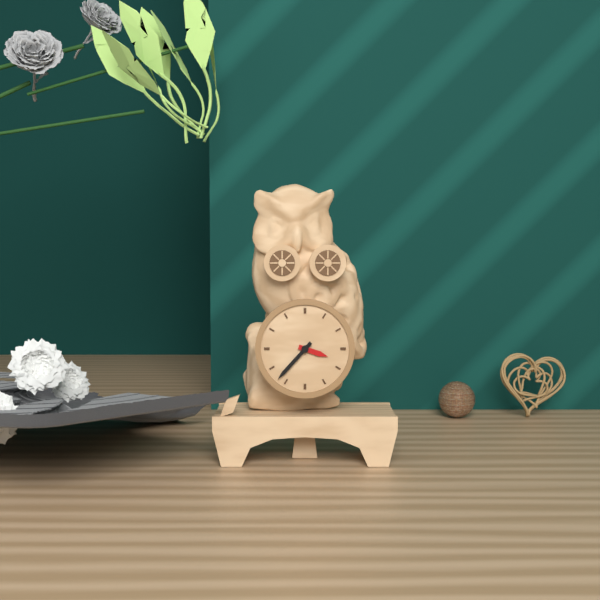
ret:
3:37
